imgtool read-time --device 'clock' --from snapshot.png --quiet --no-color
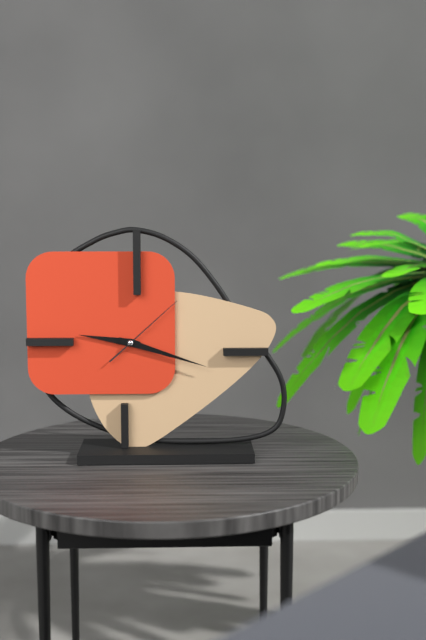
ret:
9:18:08
